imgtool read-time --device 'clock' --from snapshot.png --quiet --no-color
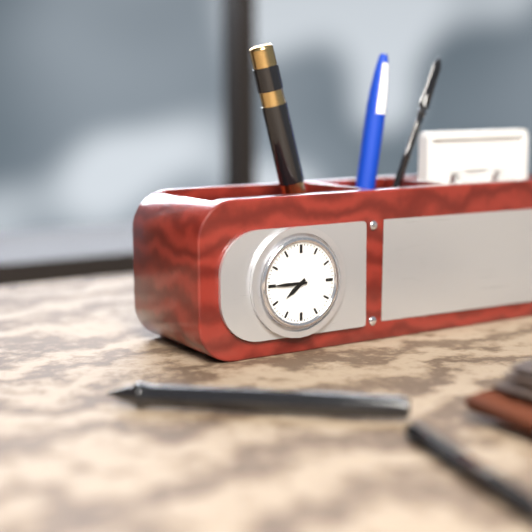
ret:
7:45
